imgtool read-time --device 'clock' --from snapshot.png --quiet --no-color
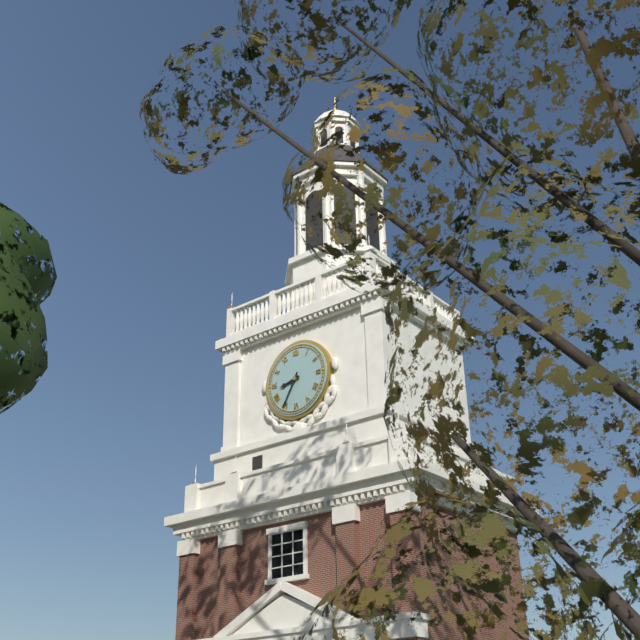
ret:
8:35
